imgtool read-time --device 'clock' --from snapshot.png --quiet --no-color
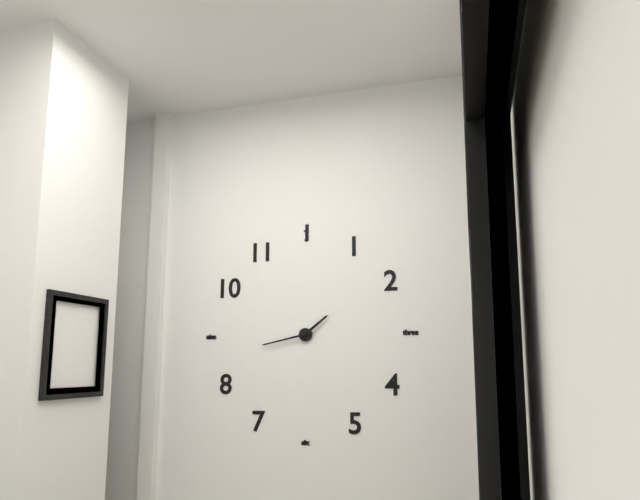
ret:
1:43
